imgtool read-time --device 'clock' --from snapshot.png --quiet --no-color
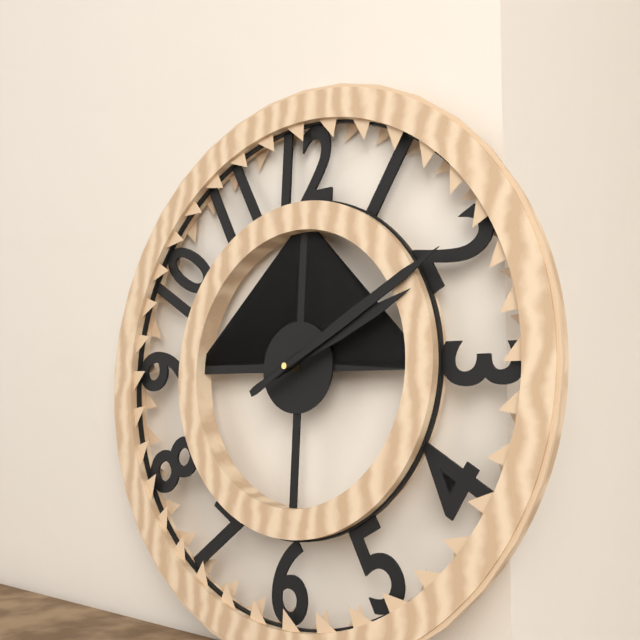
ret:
2:10
